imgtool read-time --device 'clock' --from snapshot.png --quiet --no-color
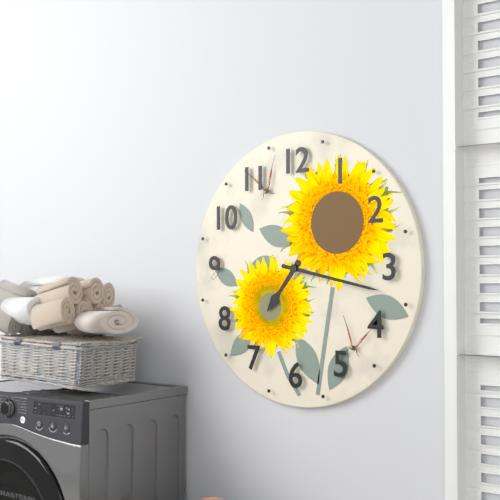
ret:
7:17
